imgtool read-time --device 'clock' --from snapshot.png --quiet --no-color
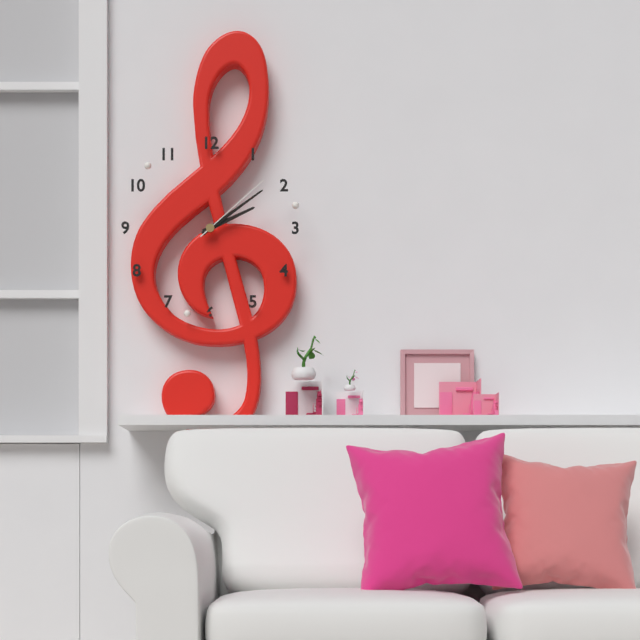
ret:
2:09:08
